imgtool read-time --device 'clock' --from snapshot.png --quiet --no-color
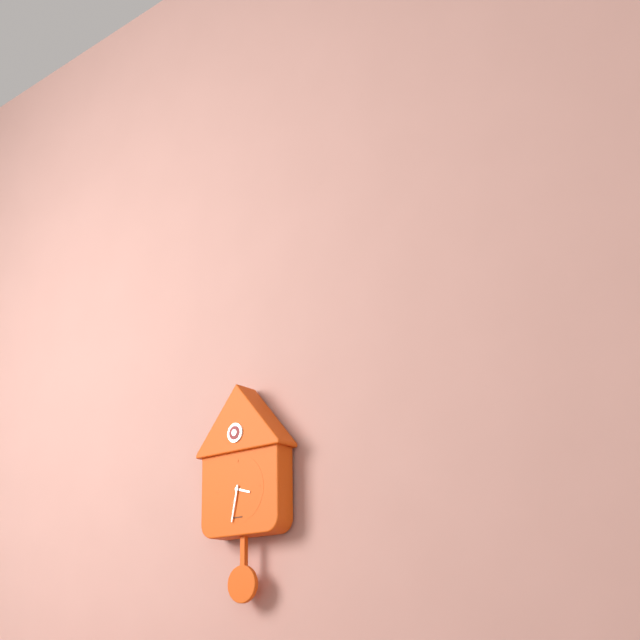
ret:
3:32
